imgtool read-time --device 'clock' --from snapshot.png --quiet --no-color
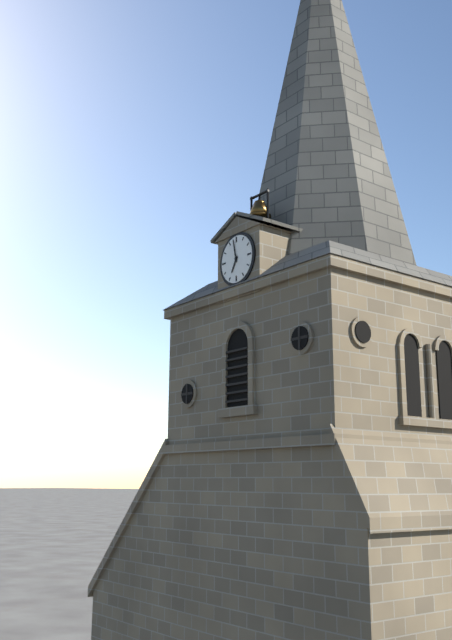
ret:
6:58
